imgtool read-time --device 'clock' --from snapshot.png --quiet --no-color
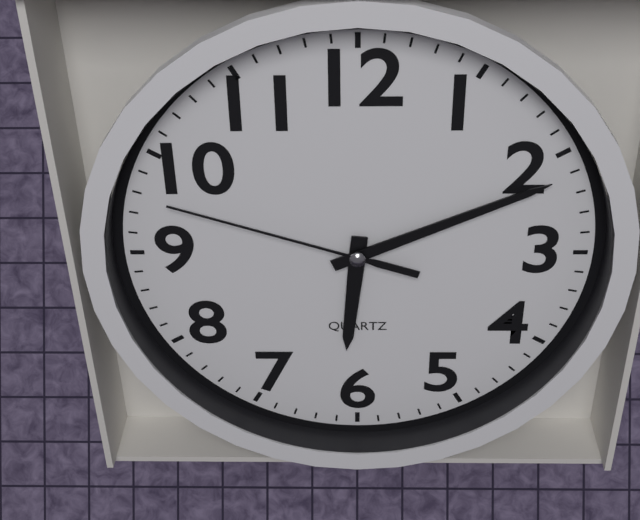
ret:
6:11:48
